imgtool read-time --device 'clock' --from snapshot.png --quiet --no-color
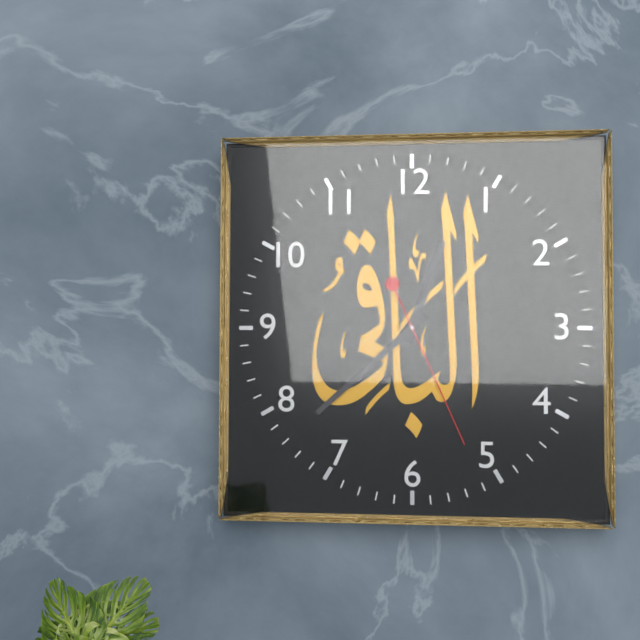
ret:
12:38:26
